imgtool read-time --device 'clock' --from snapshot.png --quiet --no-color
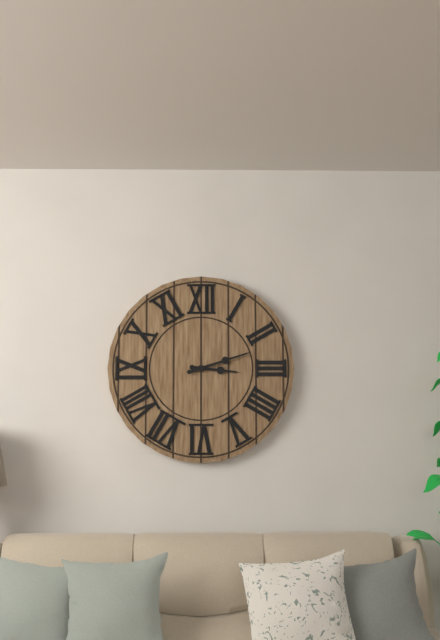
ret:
3:12
